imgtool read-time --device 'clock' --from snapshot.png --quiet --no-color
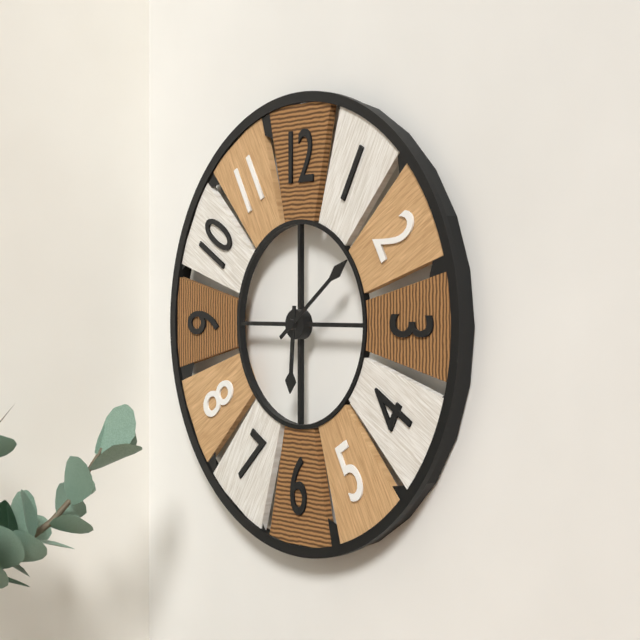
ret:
6:09
